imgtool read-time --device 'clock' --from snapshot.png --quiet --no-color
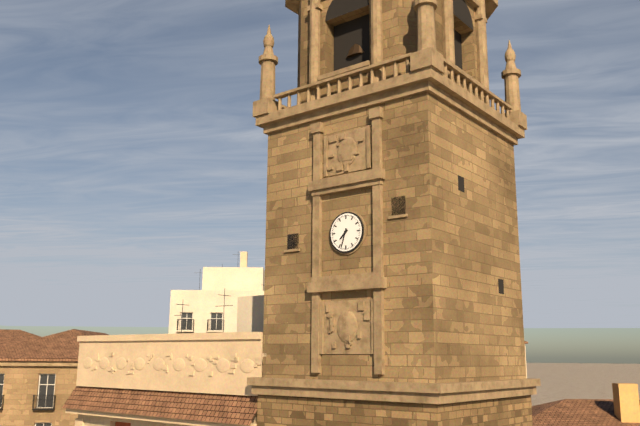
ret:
7:33
